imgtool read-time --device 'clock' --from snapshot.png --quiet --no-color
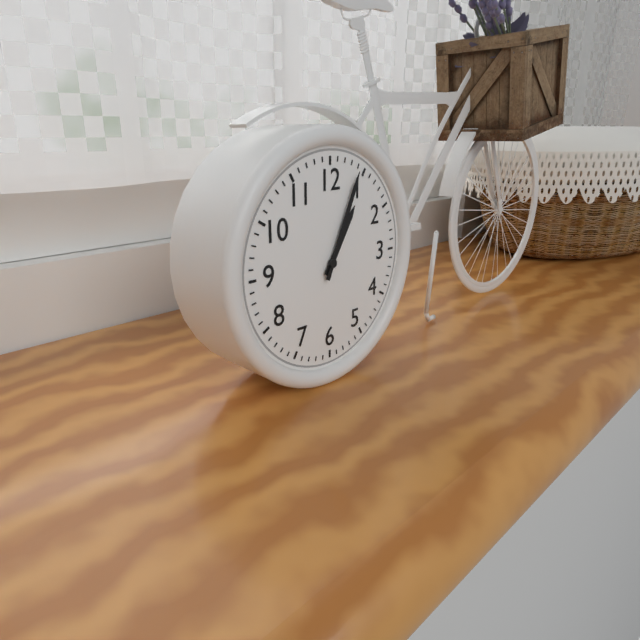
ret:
1:04
